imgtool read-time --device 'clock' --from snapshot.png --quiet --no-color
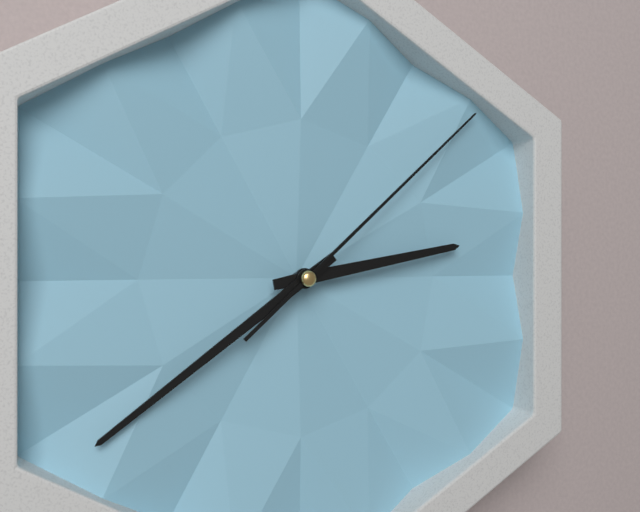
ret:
2:39:08
